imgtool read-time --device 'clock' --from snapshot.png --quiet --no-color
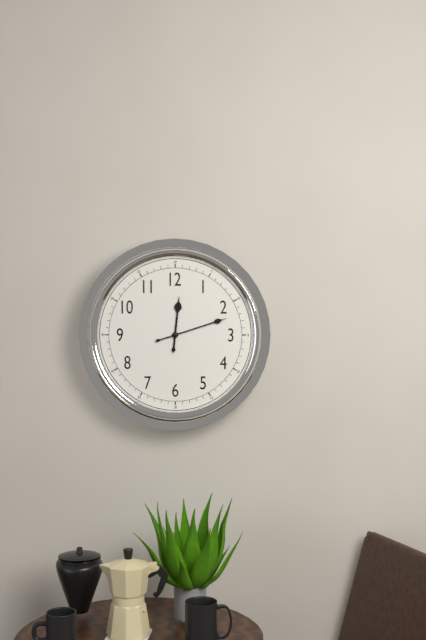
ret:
12:12
